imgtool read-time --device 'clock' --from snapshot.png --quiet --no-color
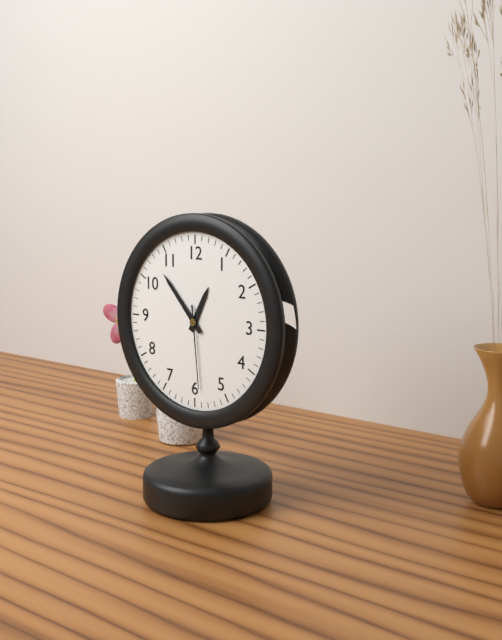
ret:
12:53:29
